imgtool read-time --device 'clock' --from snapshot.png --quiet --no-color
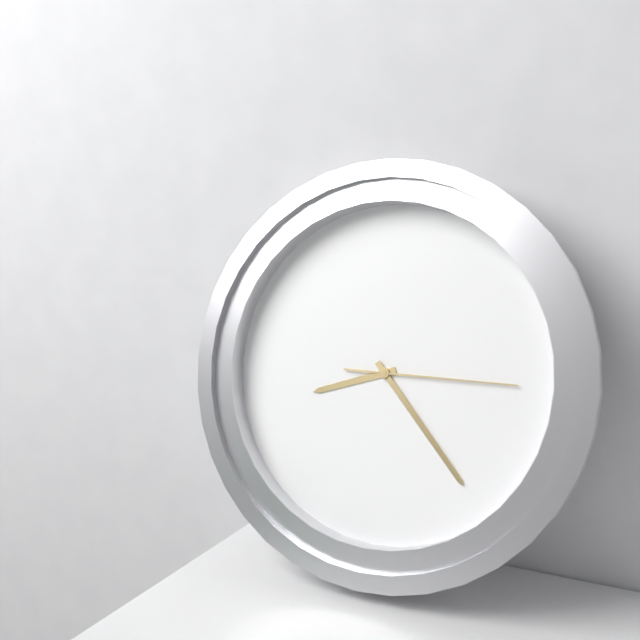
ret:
8:23:15
